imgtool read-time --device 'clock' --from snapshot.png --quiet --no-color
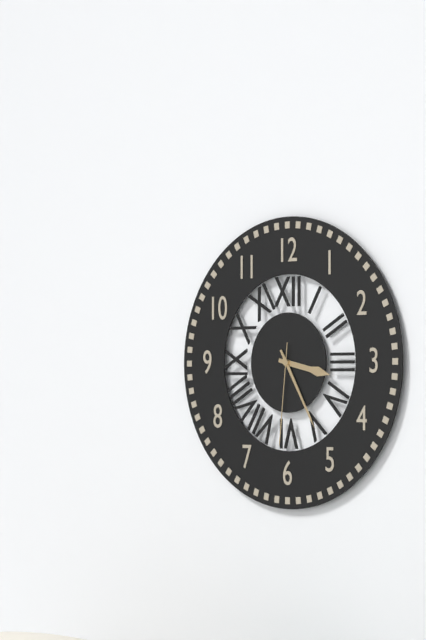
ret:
3:25:31
